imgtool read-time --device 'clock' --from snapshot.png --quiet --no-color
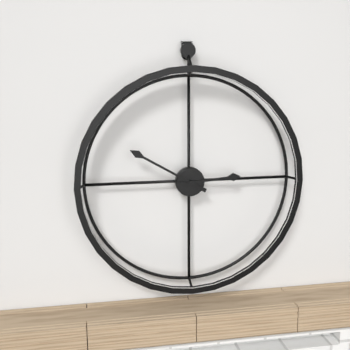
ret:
2:50
